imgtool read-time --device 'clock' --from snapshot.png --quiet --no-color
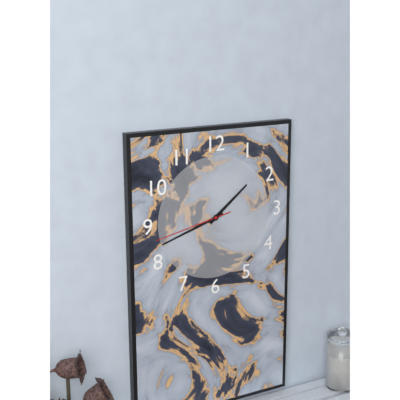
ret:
1:42:43
